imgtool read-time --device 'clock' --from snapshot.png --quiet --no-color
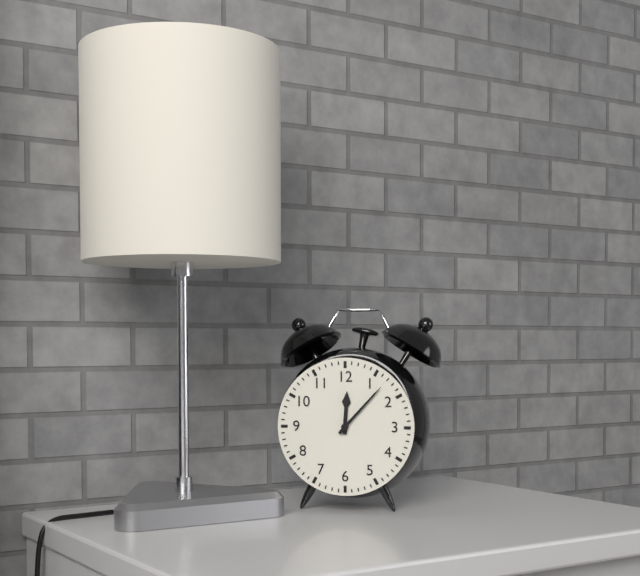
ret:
12:07
